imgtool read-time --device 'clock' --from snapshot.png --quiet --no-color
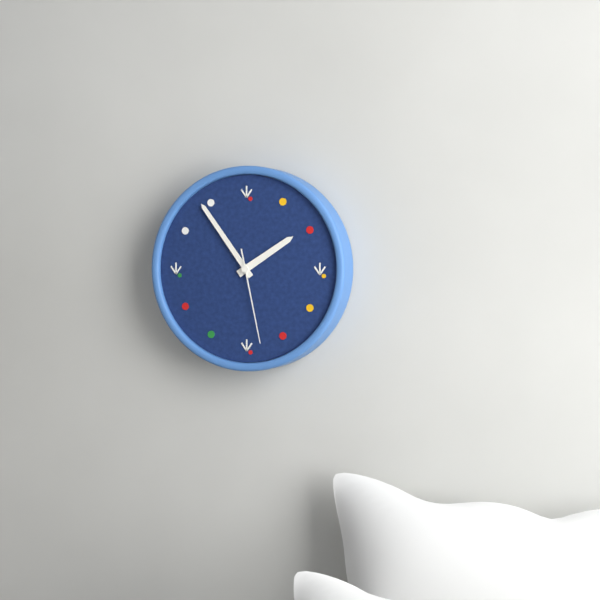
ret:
1:54:28
